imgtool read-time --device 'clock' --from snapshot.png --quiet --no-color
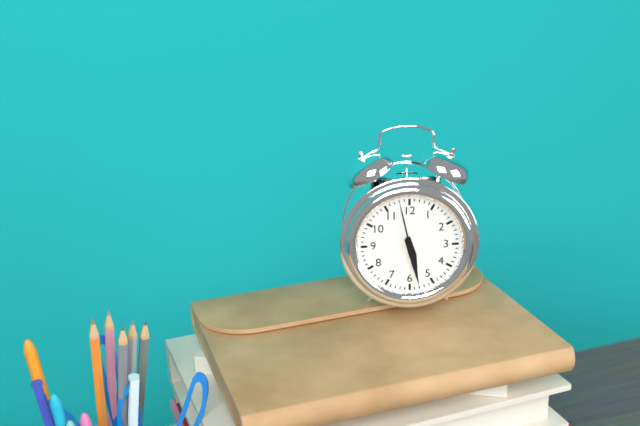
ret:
5:28:58
